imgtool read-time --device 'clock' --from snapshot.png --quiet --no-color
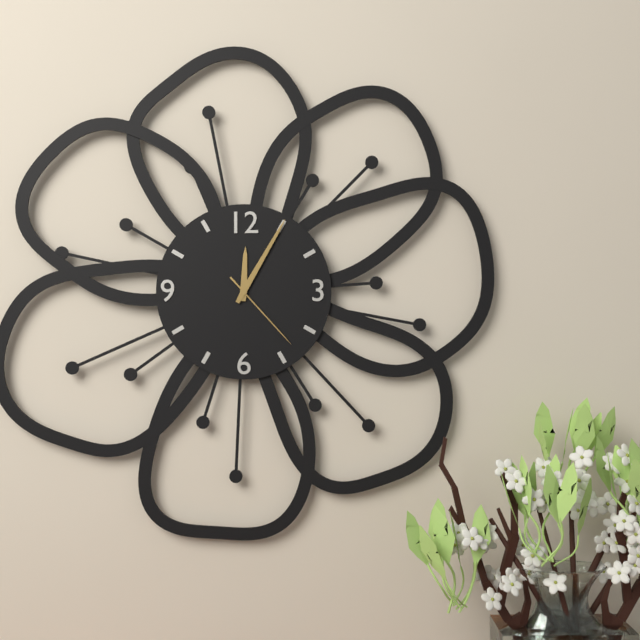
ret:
12:05:23
